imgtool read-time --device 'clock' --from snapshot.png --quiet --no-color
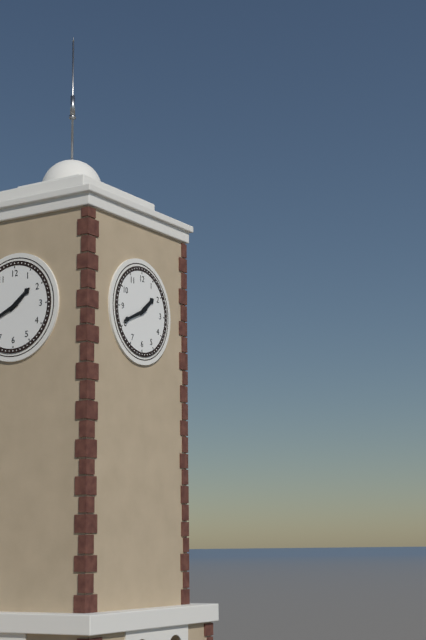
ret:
1:41
